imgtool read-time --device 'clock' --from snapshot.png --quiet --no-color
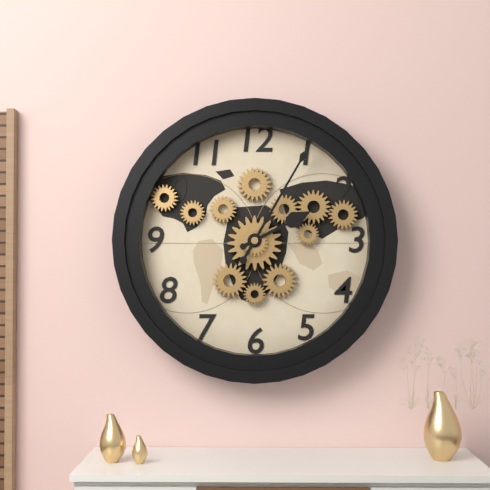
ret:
2:05
